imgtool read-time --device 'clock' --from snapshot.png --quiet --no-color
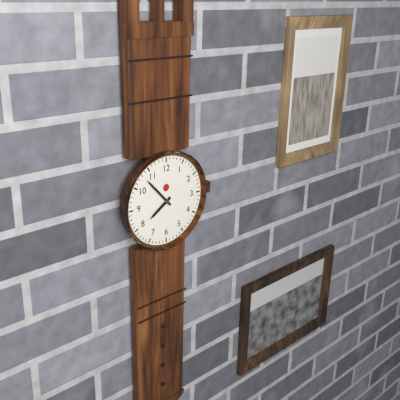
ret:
7:53
